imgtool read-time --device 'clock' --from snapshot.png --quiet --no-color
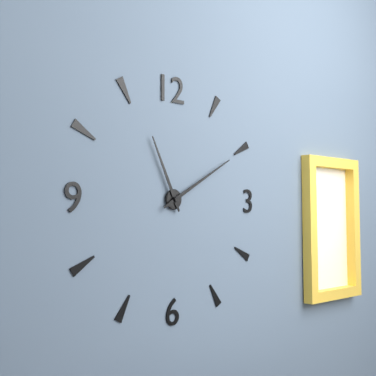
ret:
11:10
